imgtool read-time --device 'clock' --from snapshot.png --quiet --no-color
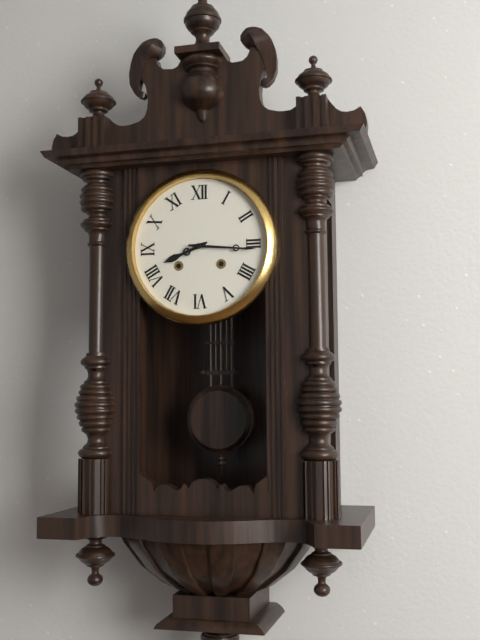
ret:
8:16
